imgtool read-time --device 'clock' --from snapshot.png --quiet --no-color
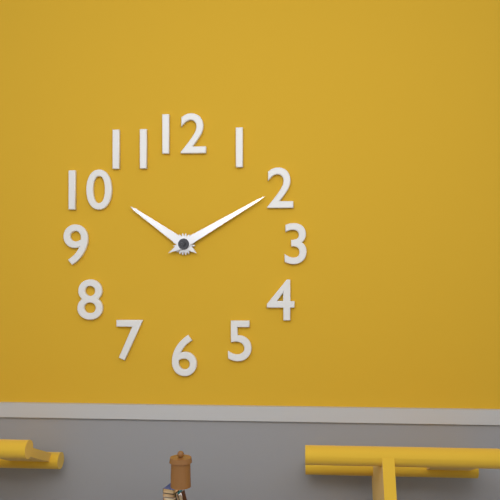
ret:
10:10
